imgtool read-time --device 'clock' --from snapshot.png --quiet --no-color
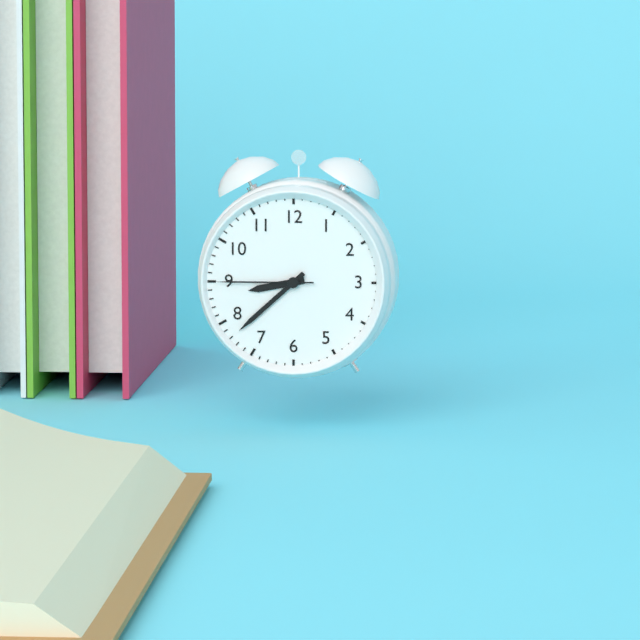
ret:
8:38:45
